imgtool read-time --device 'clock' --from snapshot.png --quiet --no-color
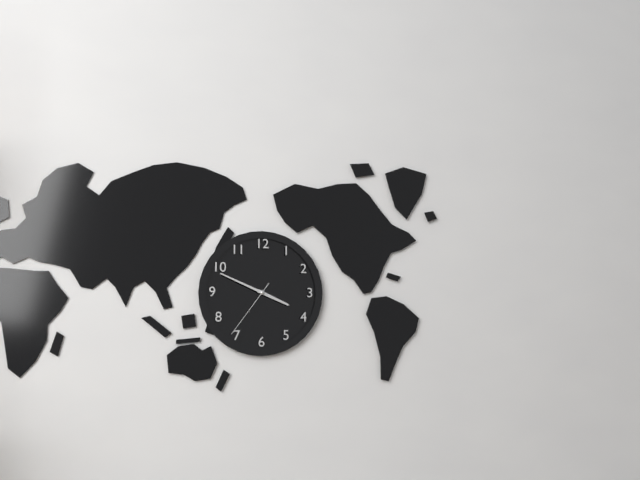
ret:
3:49:36
